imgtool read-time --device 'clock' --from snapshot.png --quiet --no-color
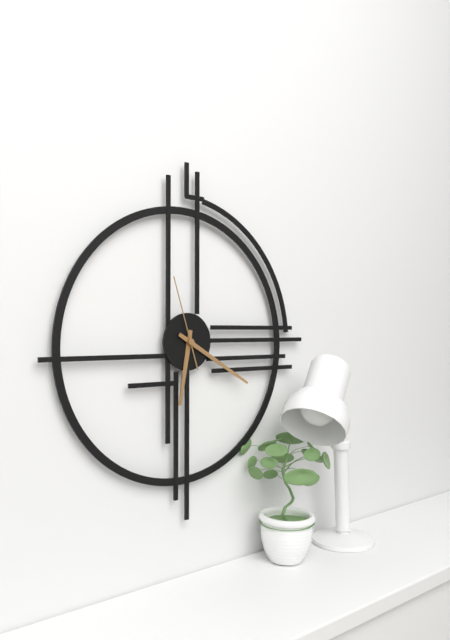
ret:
6:20:57
